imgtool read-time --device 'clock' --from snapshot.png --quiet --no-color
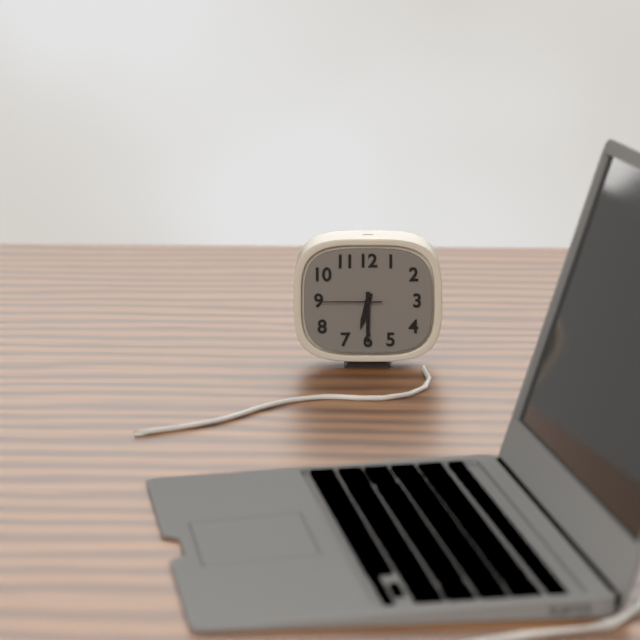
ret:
6:30:45
